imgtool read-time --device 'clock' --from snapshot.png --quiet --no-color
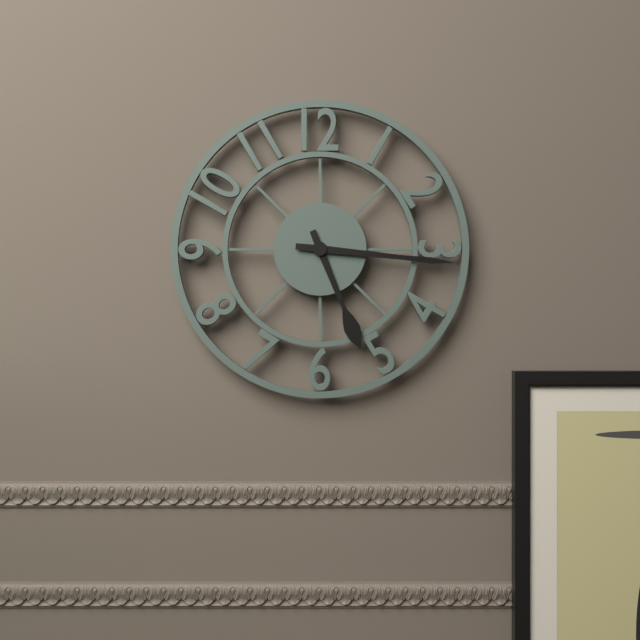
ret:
5:16
